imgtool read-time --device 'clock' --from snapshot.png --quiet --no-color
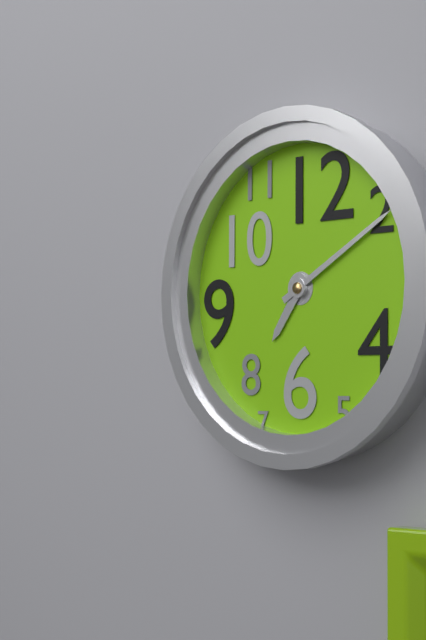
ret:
7:10
